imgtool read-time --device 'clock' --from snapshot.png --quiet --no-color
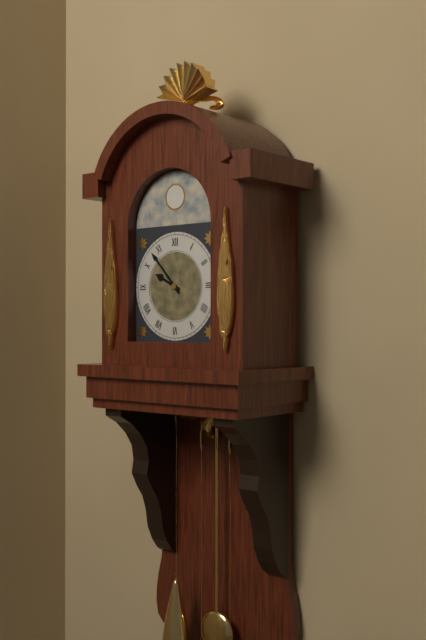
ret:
9:53
